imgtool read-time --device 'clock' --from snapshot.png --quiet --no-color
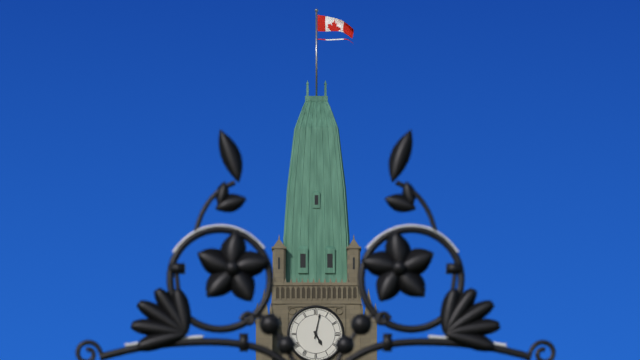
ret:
5:02
